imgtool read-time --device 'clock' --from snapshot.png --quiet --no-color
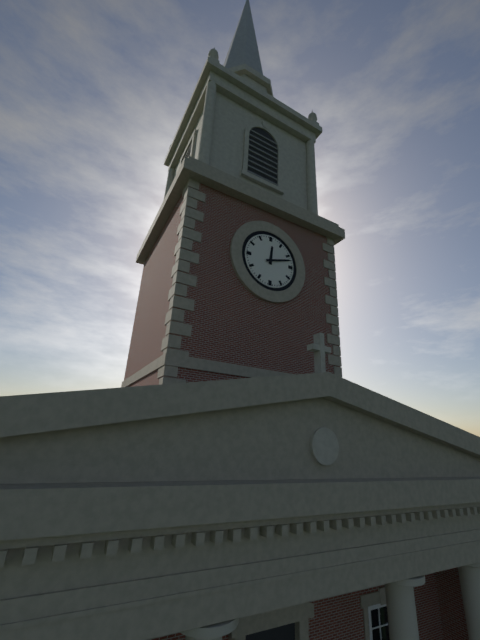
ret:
12:12
